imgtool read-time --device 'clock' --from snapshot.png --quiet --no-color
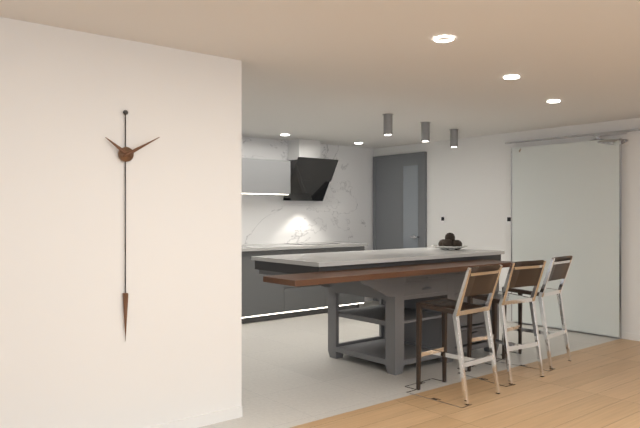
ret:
10:10
